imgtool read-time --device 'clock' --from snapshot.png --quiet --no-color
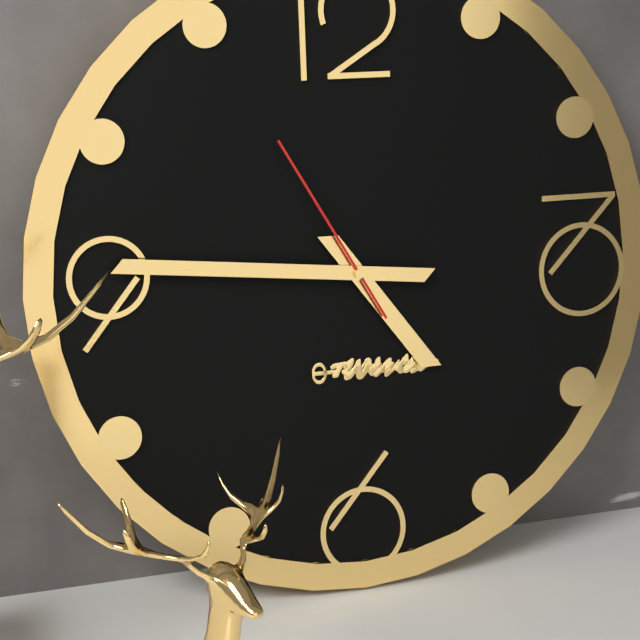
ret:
4:46:55
